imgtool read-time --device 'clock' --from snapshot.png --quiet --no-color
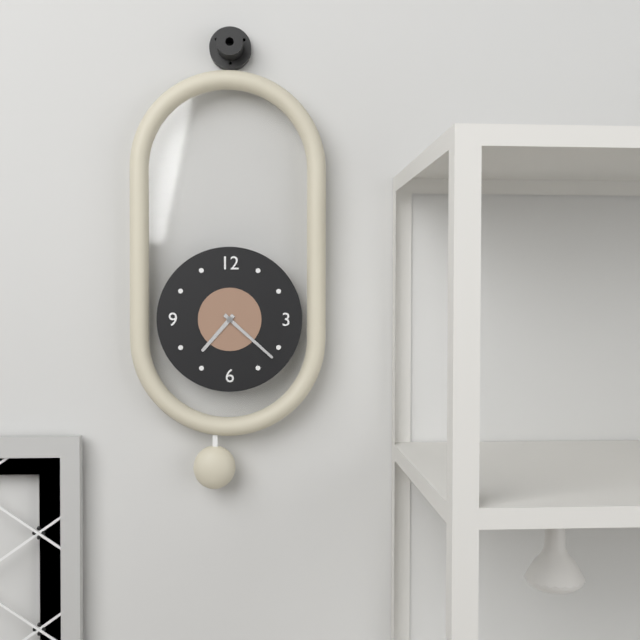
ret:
7:22
